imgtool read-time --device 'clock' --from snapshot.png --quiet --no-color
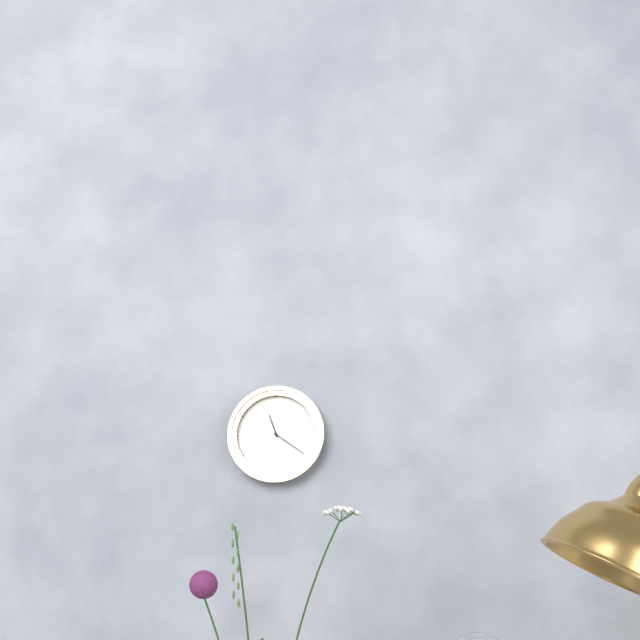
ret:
11:21
